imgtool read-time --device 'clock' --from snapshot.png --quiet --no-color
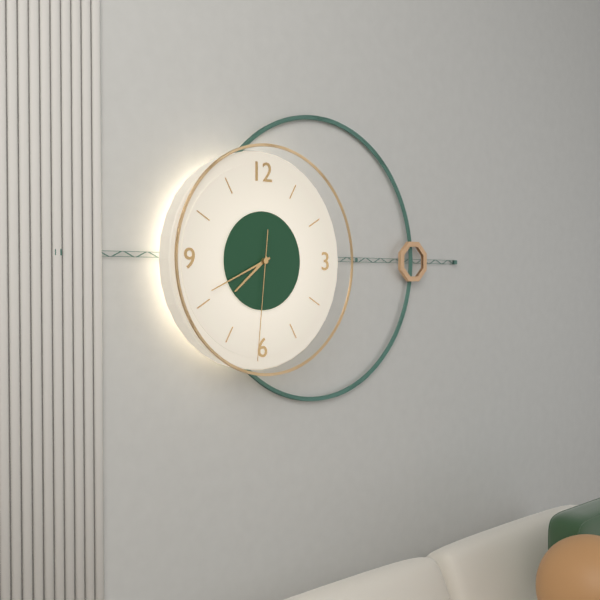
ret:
7:41:31
